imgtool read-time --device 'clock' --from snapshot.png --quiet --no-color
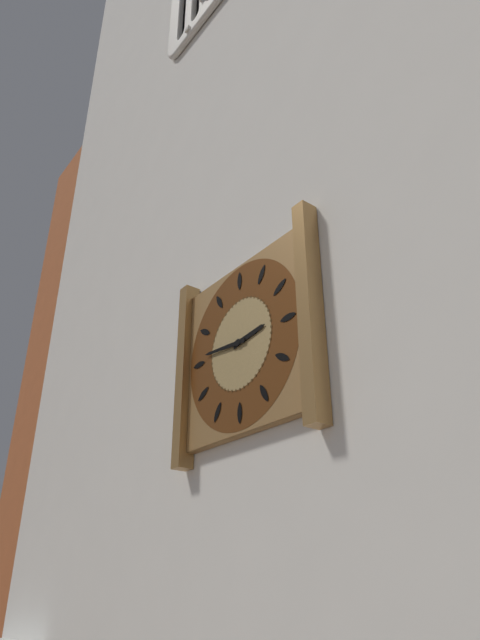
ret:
2:46
